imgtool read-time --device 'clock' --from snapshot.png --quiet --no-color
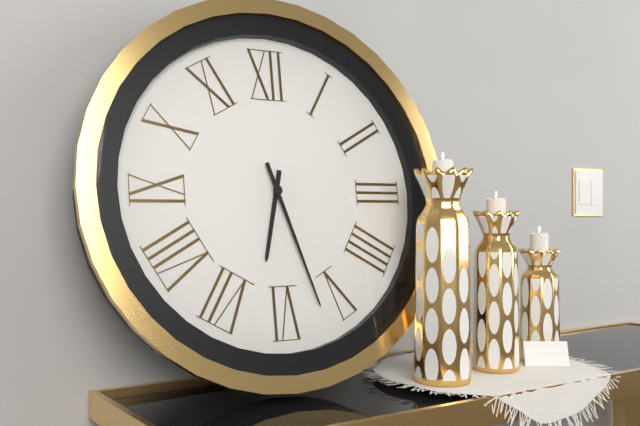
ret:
6:27
